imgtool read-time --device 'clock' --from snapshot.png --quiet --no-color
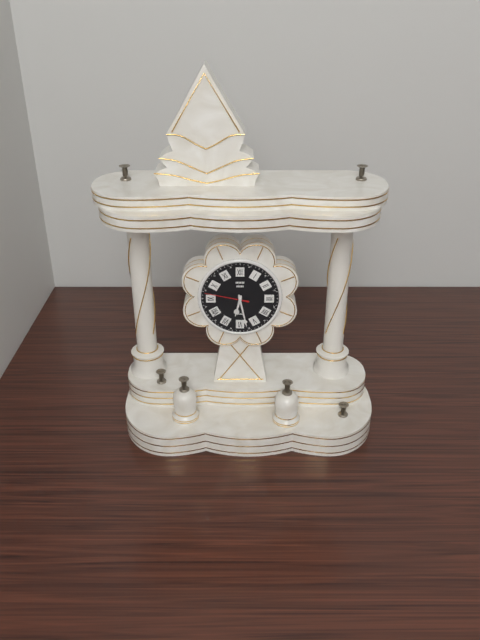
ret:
6:28
